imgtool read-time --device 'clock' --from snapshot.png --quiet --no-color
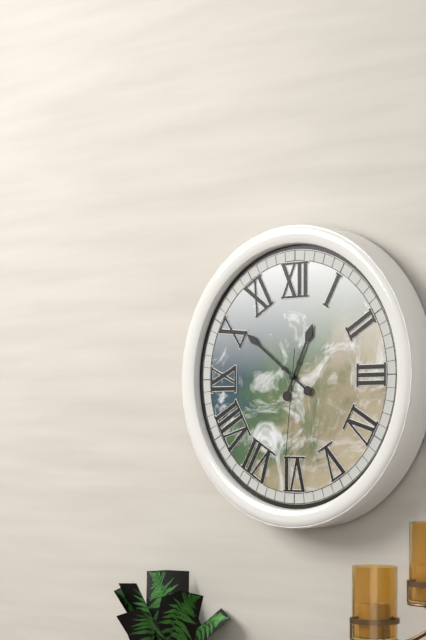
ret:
12:51:31
